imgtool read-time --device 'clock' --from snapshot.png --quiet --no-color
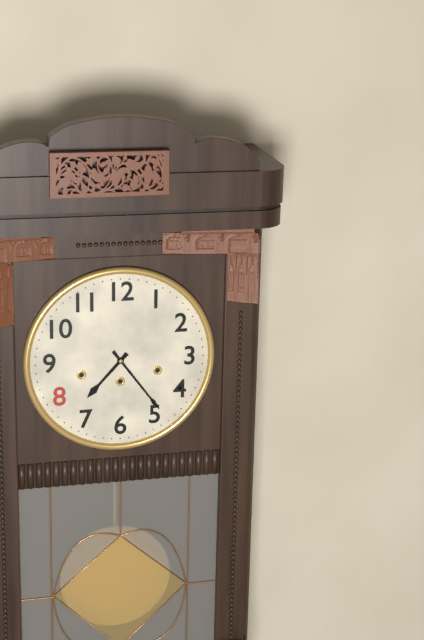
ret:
7:24
